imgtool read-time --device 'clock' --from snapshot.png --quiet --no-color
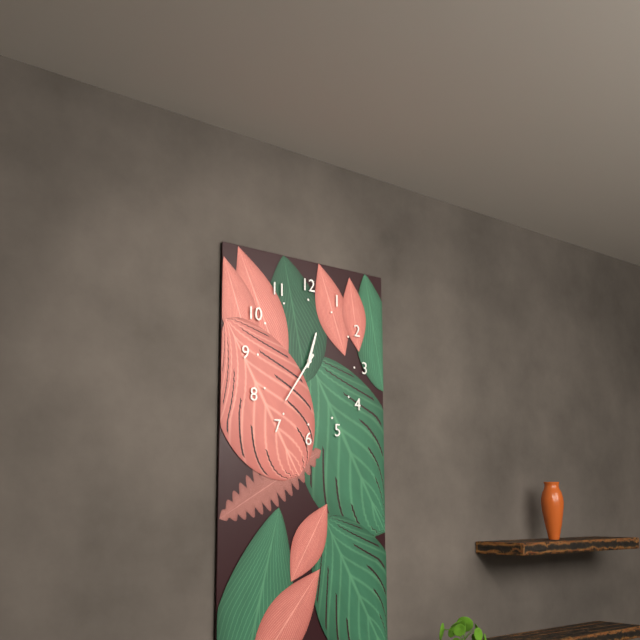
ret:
12:36
